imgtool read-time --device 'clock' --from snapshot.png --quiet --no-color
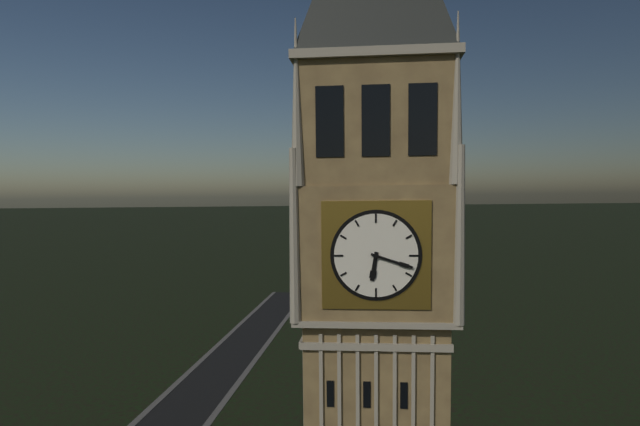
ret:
6:18
